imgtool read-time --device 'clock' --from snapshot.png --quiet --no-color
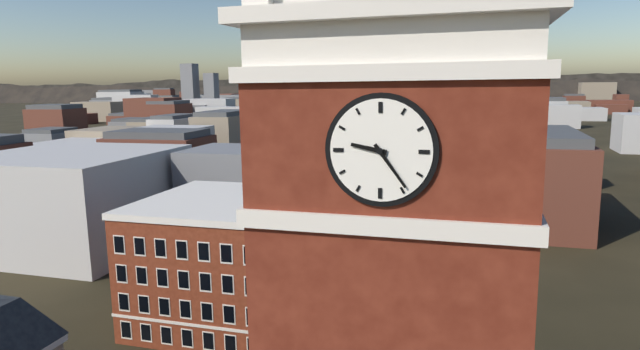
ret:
9:24
